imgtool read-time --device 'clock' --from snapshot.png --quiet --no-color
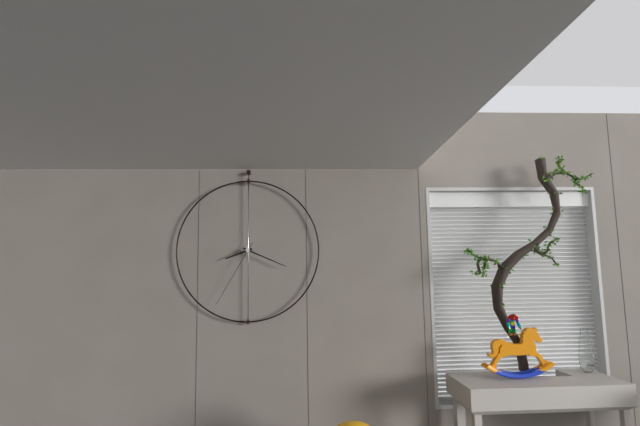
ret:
8:19:35
